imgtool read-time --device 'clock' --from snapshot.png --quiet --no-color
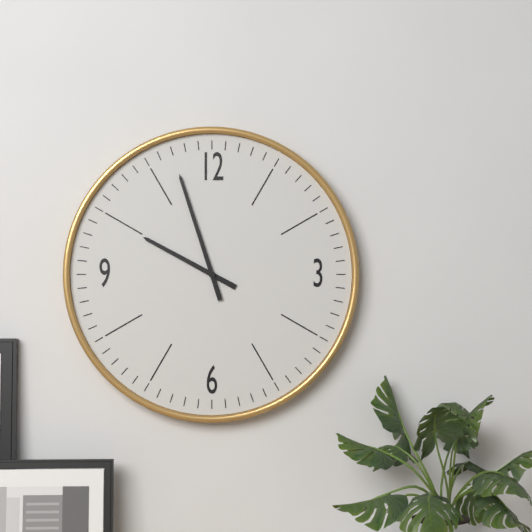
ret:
9:57
